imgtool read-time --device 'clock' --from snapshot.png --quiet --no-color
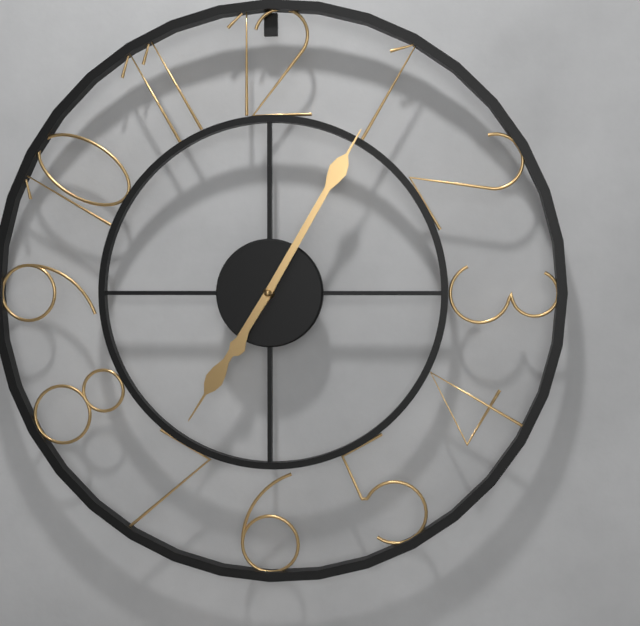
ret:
7:05
